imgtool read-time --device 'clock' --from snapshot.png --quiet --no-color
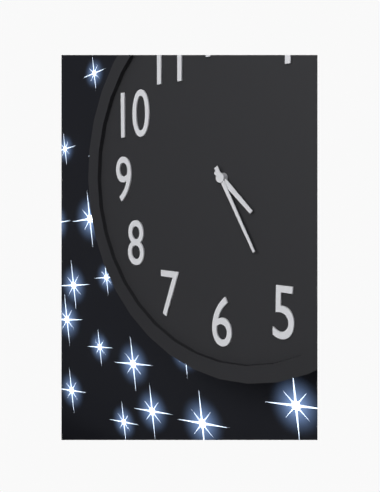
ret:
4:25
